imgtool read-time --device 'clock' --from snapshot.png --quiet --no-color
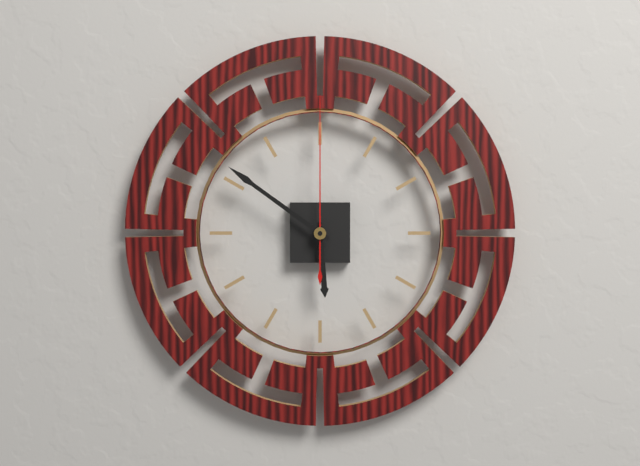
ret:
5:51:00
